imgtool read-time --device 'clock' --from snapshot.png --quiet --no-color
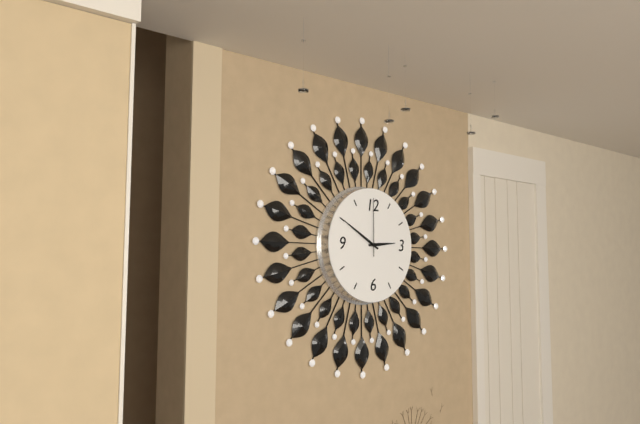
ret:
2:50:00
